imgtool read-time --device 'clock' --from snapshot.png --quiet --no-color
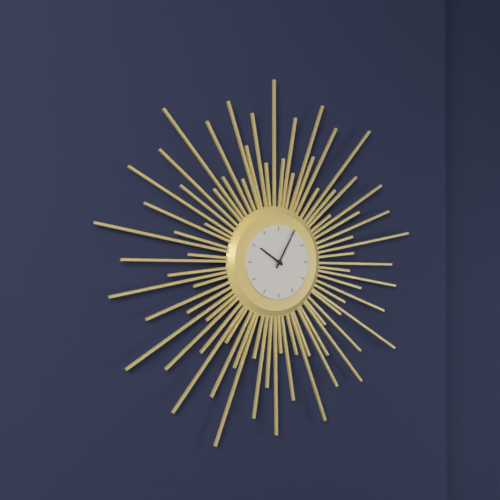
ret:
10:05
